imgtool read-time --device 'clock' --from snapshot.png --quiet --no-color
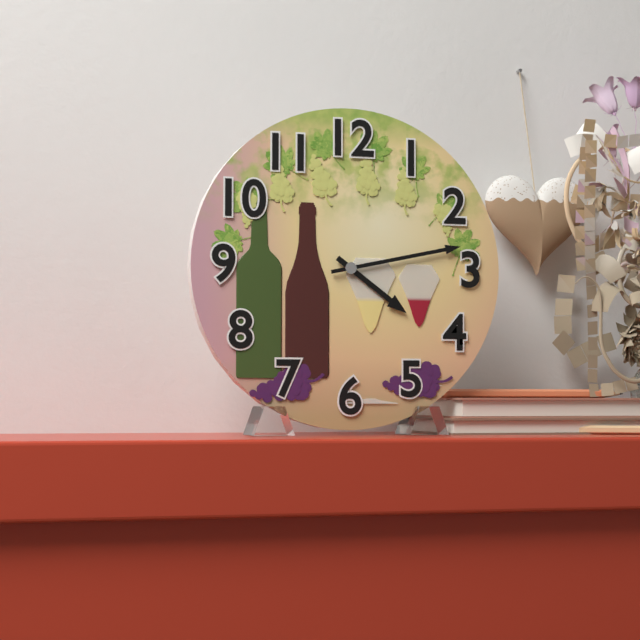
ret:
4:13
